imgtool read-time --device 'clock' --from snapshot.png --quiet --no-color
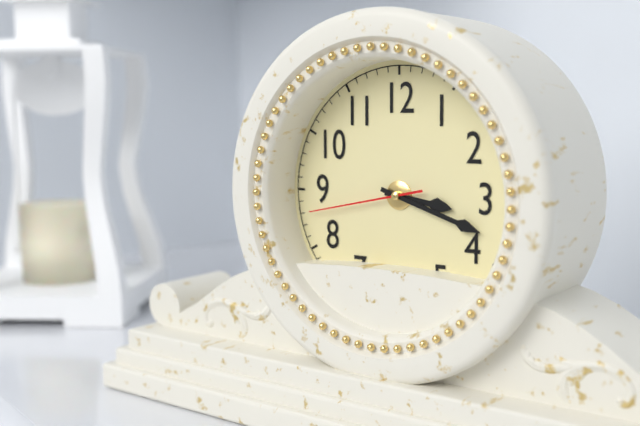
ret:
3:18:43
